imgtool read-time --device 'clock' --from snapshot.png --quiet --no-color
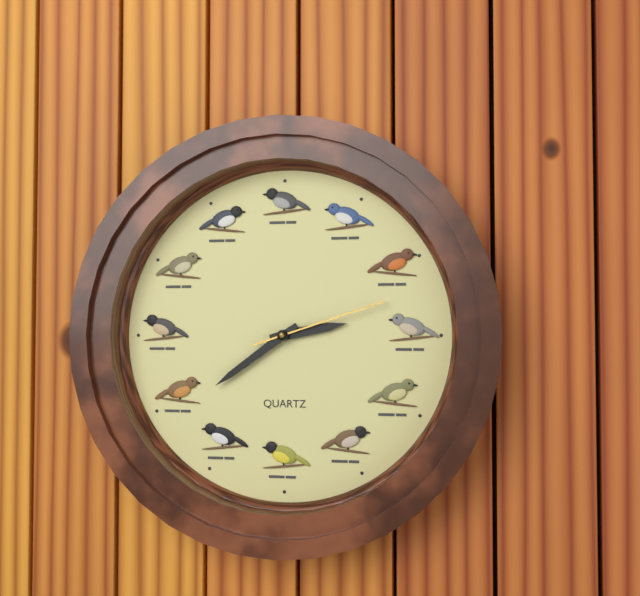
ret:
2:39:12
